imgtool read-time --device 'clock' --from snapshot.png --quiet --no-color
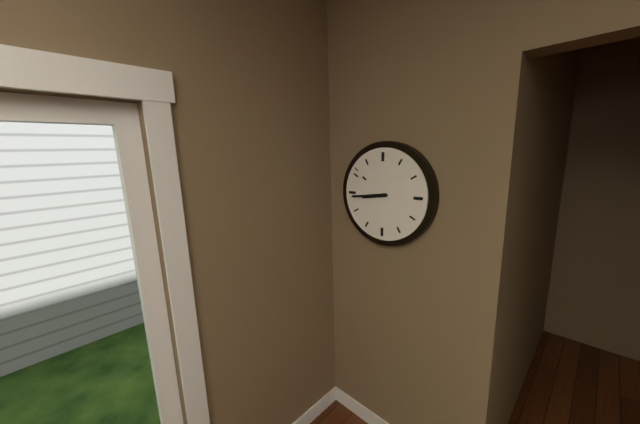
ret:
8:44
